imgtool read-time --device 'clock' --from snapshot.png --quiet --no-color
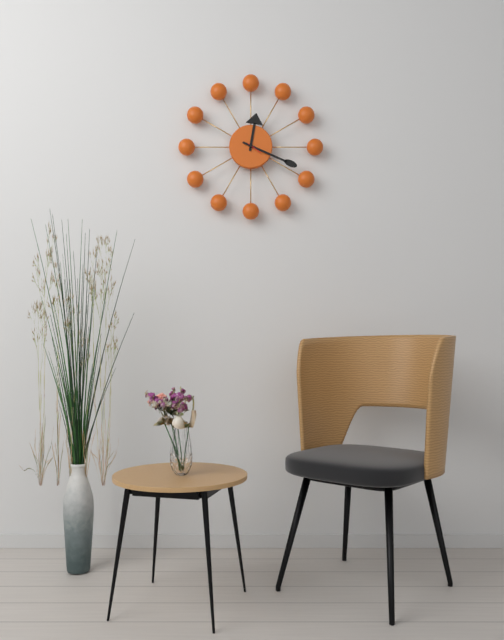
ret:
12:19
